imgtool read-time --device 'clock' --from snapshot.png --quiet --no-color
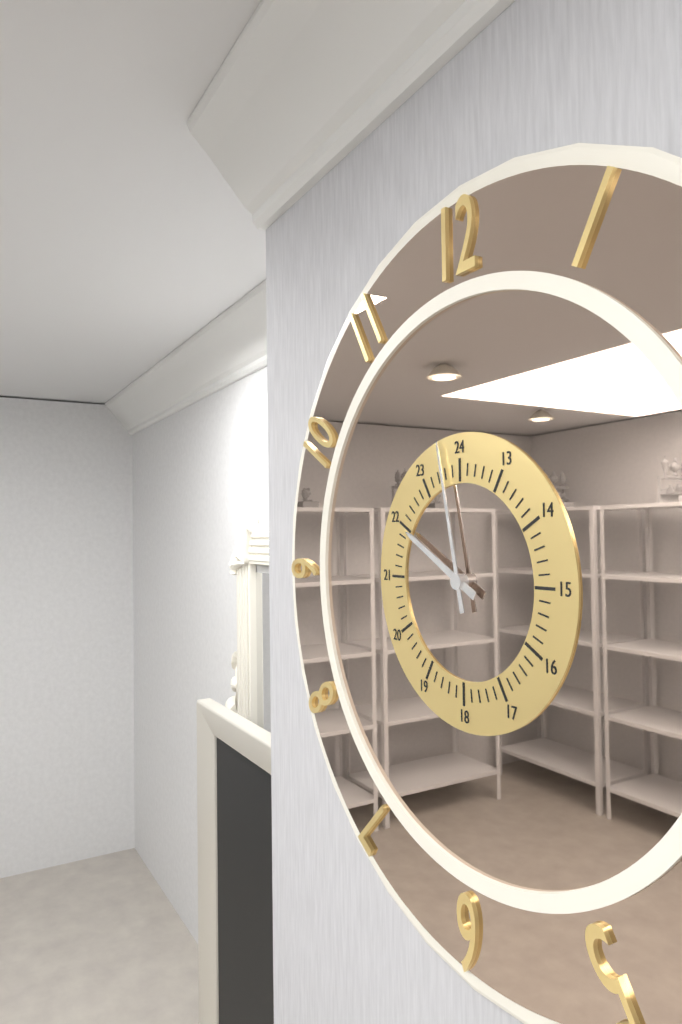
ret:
9:58
